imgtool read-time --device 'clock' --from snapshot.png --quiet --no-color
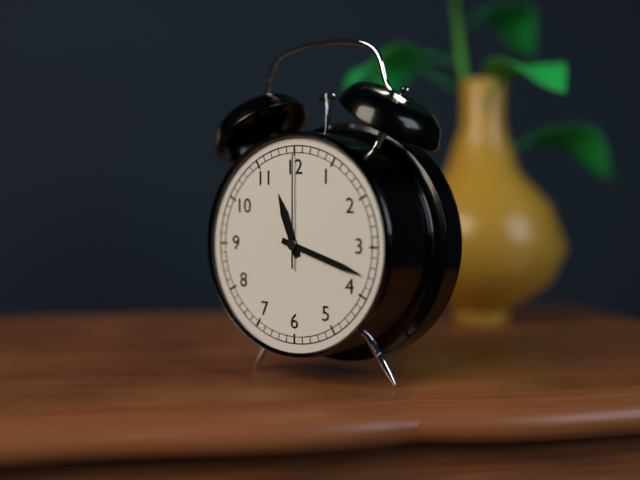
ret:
11:18:00
